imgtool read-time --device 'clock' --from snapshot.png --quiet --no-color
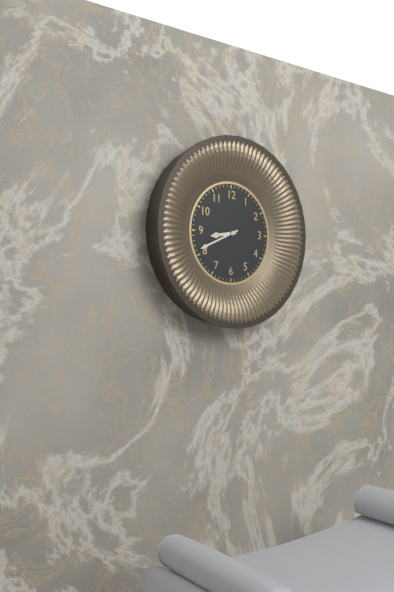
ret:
8:41
